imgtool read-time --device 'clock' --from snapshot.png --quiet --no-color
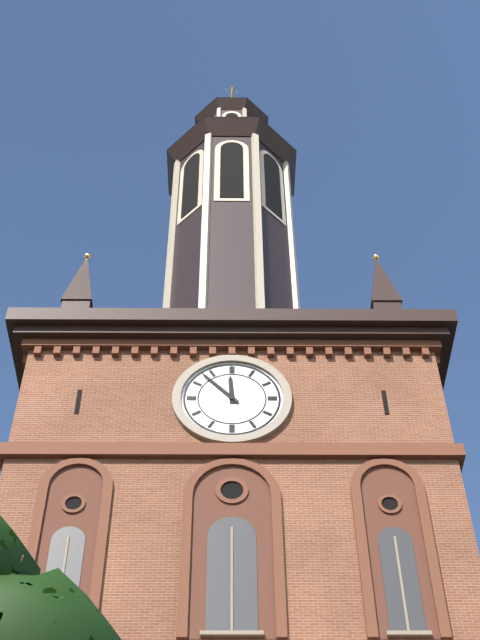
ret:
11:53
